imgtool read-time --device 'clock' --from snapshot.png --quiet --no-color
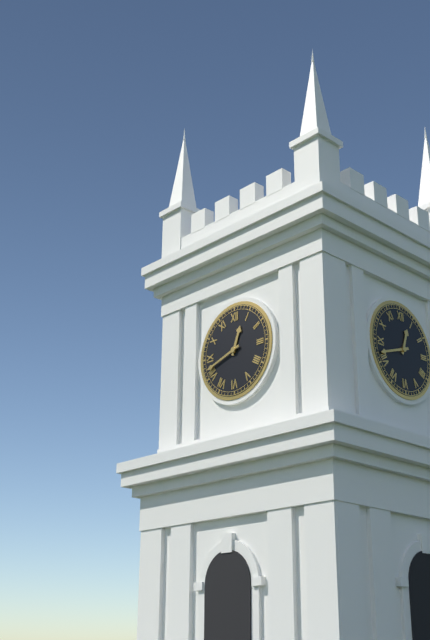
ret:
12:42
